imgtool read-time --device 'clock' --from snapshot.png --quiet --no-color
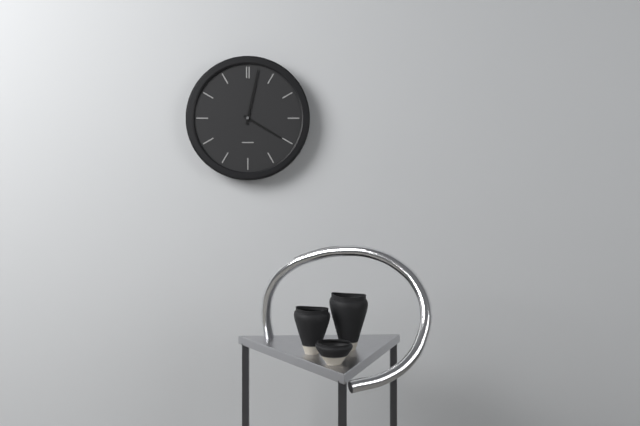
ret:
4:02
